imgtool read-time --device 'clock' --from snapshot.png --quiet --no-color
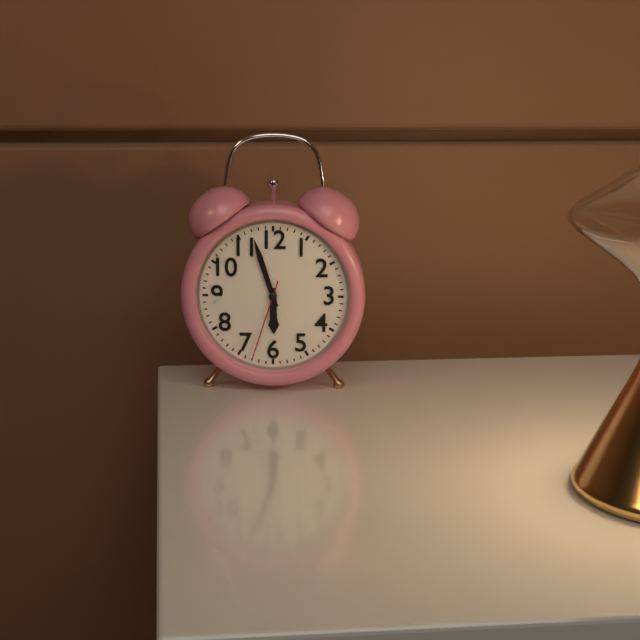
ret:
5:57:33
